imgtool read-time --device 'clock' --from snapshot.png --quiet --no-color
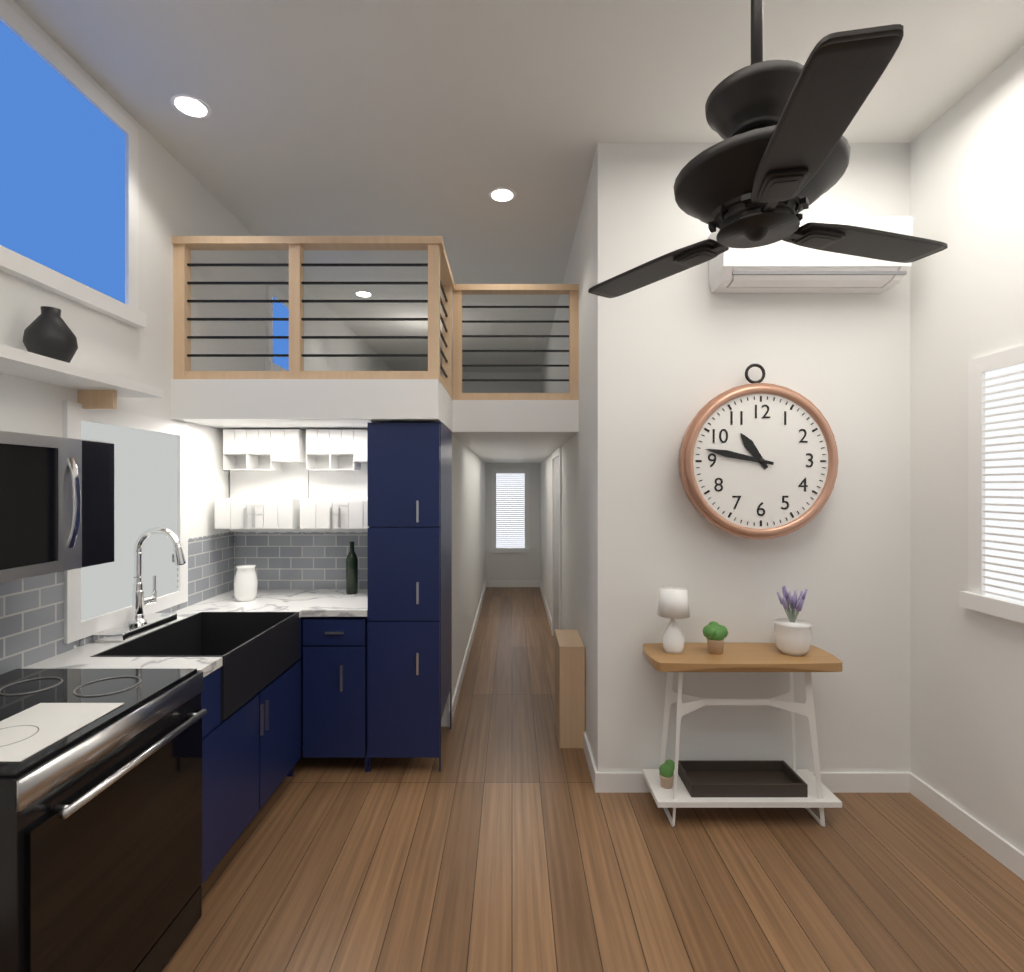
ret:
10:47
